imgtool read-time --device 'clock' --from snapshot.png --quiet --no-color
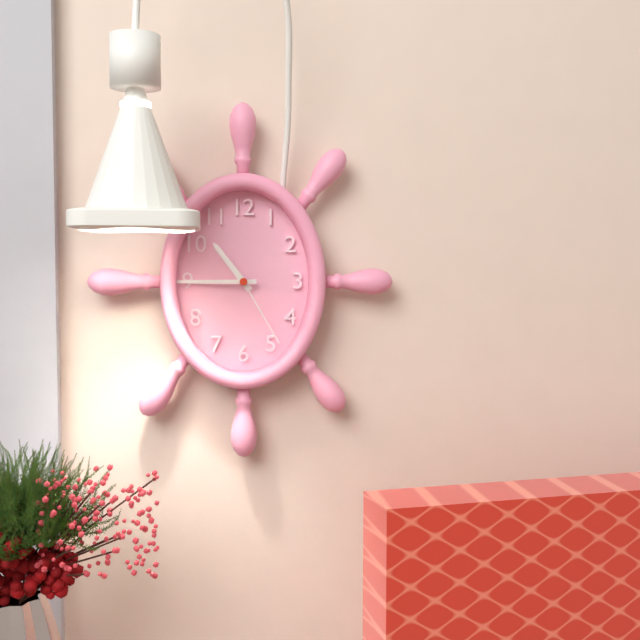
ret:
10:45:25
